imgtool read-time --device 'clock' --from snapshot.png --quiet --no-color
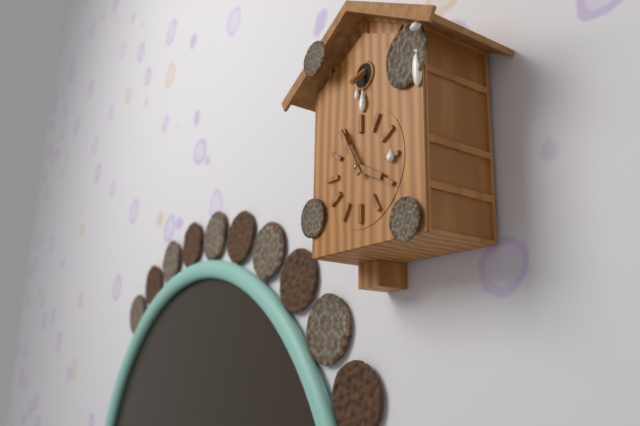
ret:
3:55
